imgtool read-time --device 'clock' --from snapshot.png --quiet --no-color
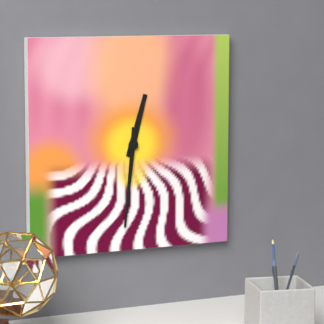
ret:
12:31
